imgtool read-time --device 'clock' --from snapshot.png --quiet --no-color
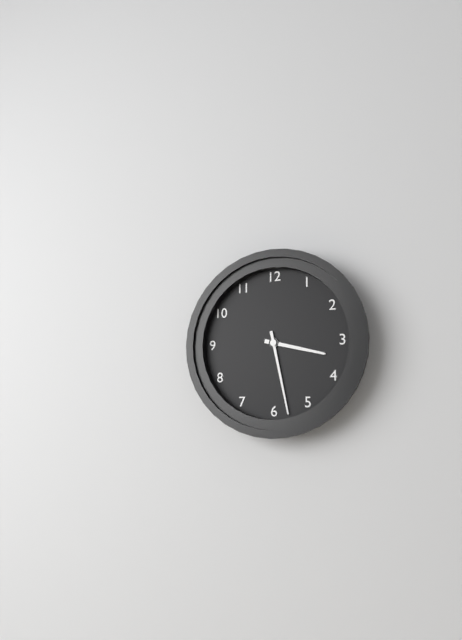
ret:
3:28
